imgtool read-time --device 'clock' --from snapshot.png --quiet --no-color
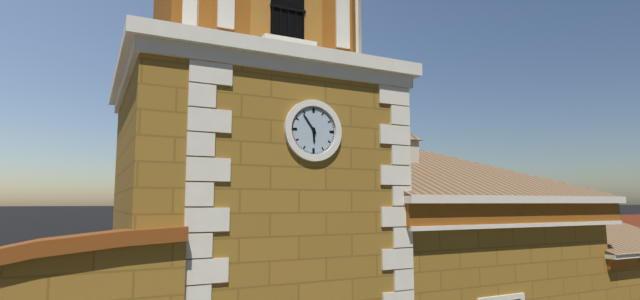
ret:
5:54
